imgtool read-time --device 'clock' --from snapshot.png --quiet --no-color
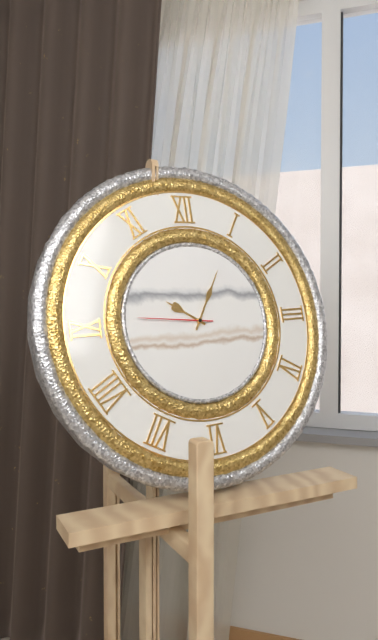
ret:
10:05:46
